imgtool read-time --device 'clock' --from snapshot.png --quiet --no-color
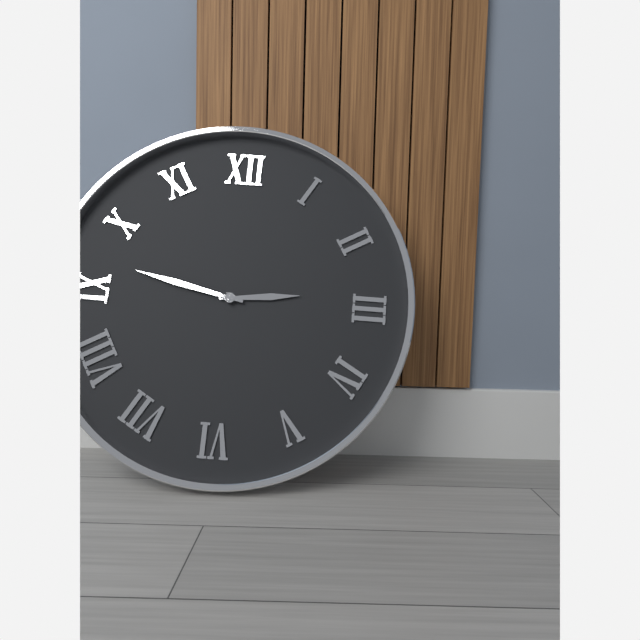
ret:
2:47
